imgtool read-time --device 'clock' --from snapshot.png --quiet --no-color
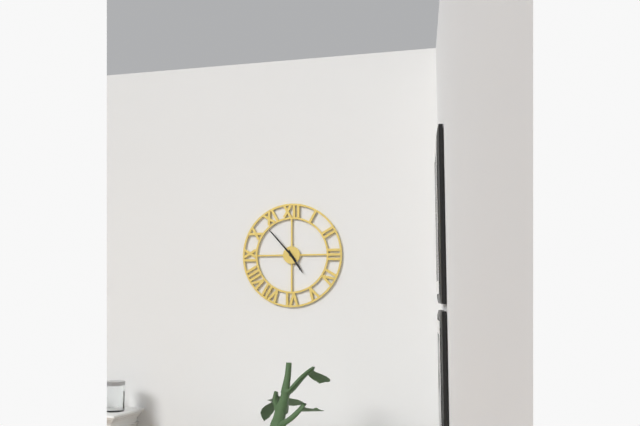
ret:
4:53
